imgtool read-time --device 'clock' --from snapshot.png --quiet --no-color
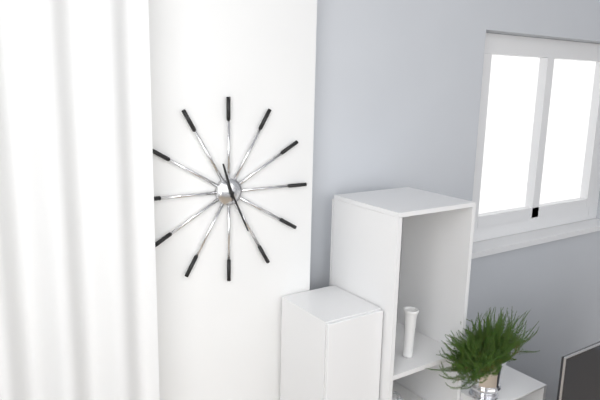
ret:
11:26
